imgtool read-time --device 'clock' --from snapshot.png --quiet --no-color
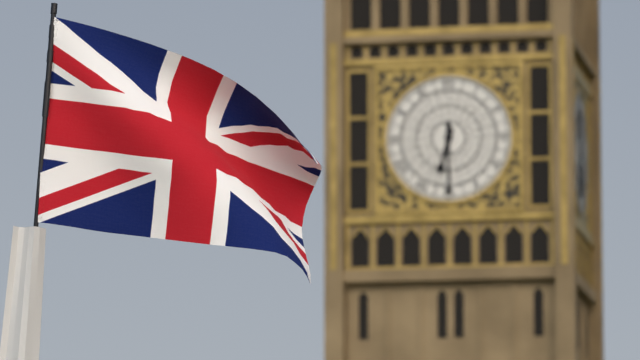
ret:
6:30
